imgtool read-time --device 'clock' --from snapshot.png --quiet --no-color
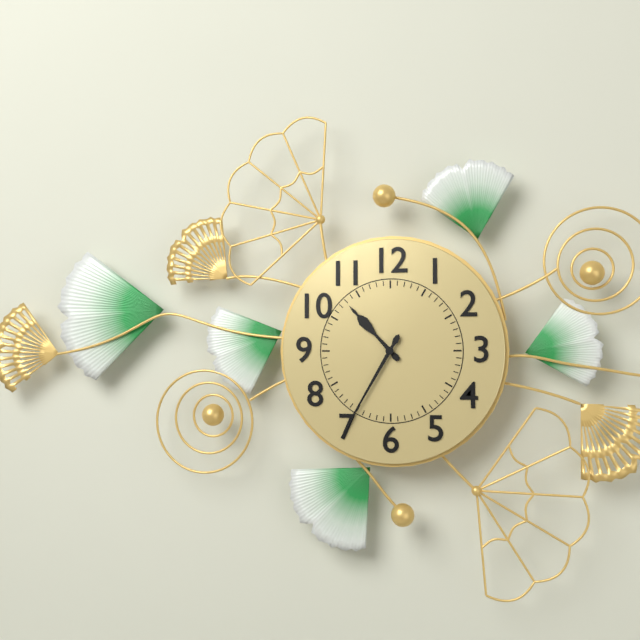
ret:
10:35
